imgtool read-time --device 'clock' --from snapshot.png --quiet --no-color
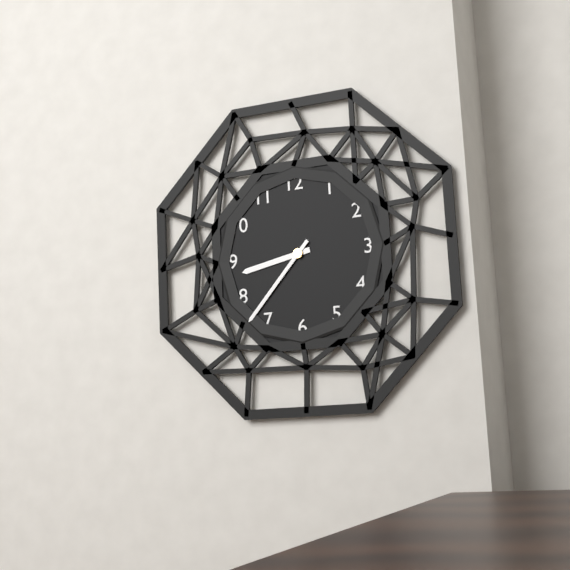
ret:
8:37
